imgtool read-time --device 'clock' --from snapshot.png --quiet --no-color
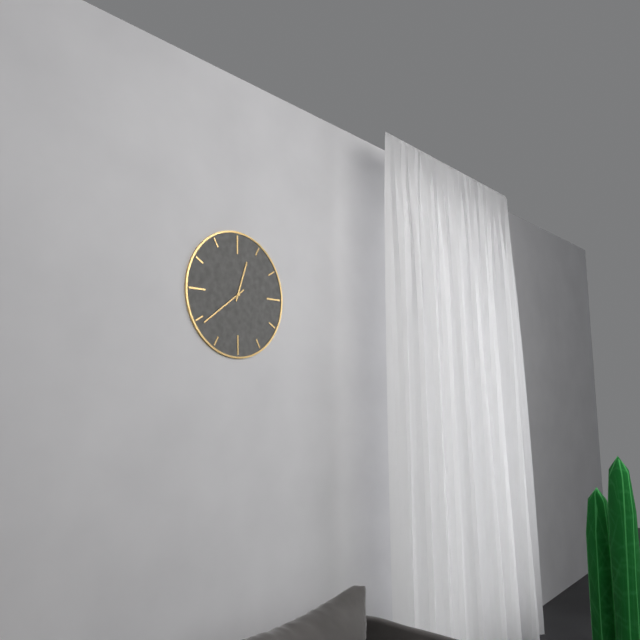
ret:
12:39
